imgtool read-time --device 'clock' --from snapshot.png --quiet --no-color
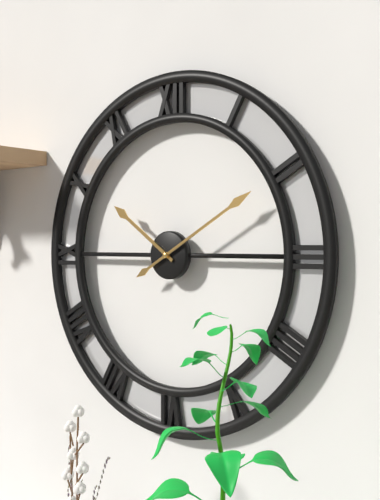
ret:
10:10
